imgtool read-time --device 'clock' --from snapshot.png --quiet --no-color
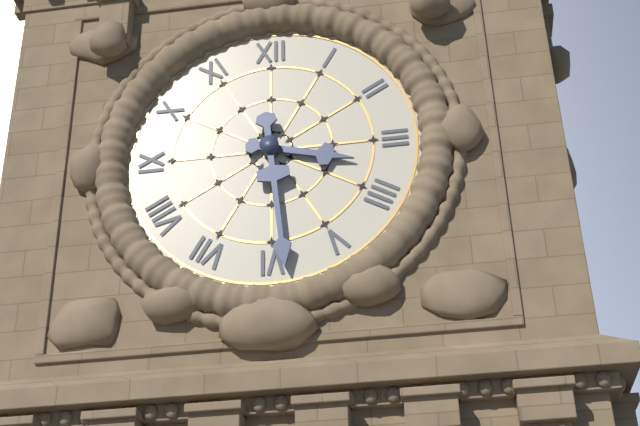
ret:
3:29
